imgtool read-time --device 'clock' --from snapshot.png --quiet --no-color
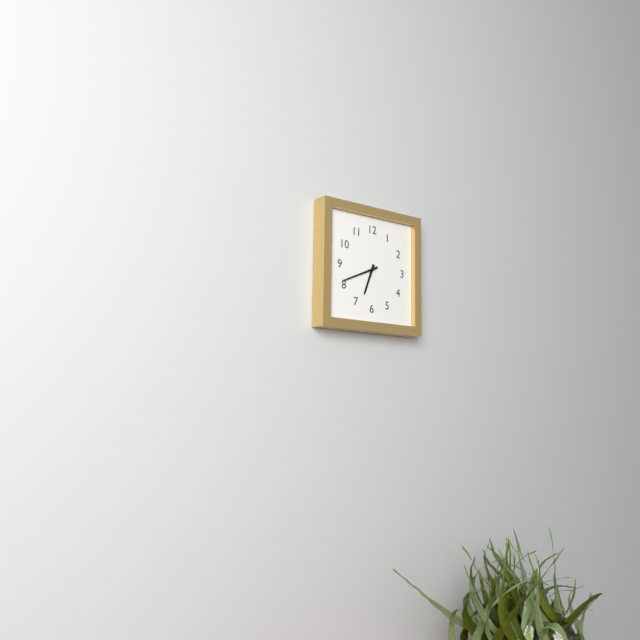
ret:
6:41
